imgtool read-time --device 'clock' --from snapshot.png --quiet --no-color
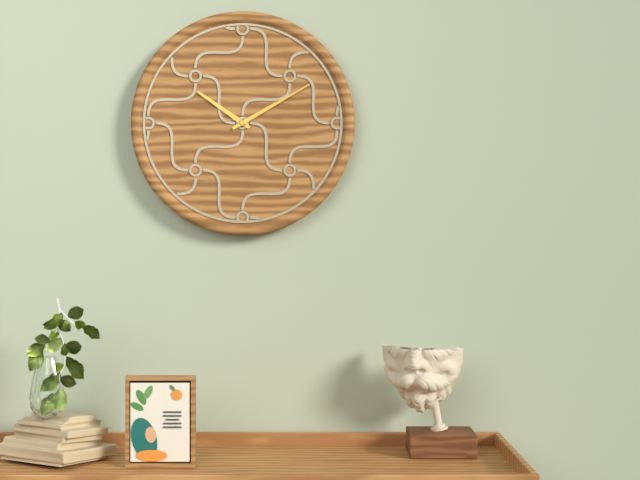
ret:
10:10
